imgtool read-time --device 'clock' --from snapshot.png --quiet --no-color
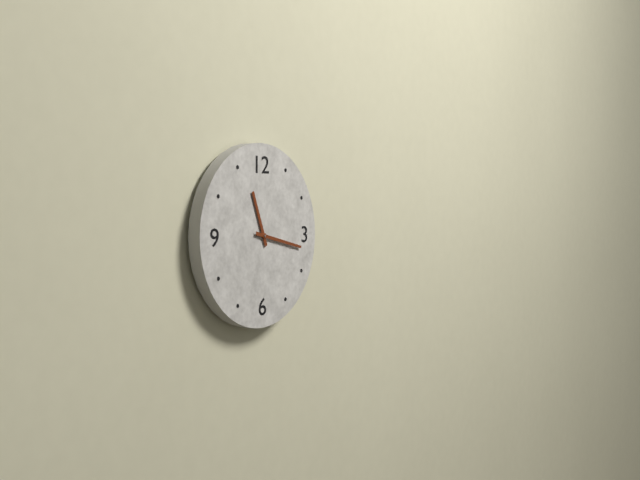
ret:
11:17
